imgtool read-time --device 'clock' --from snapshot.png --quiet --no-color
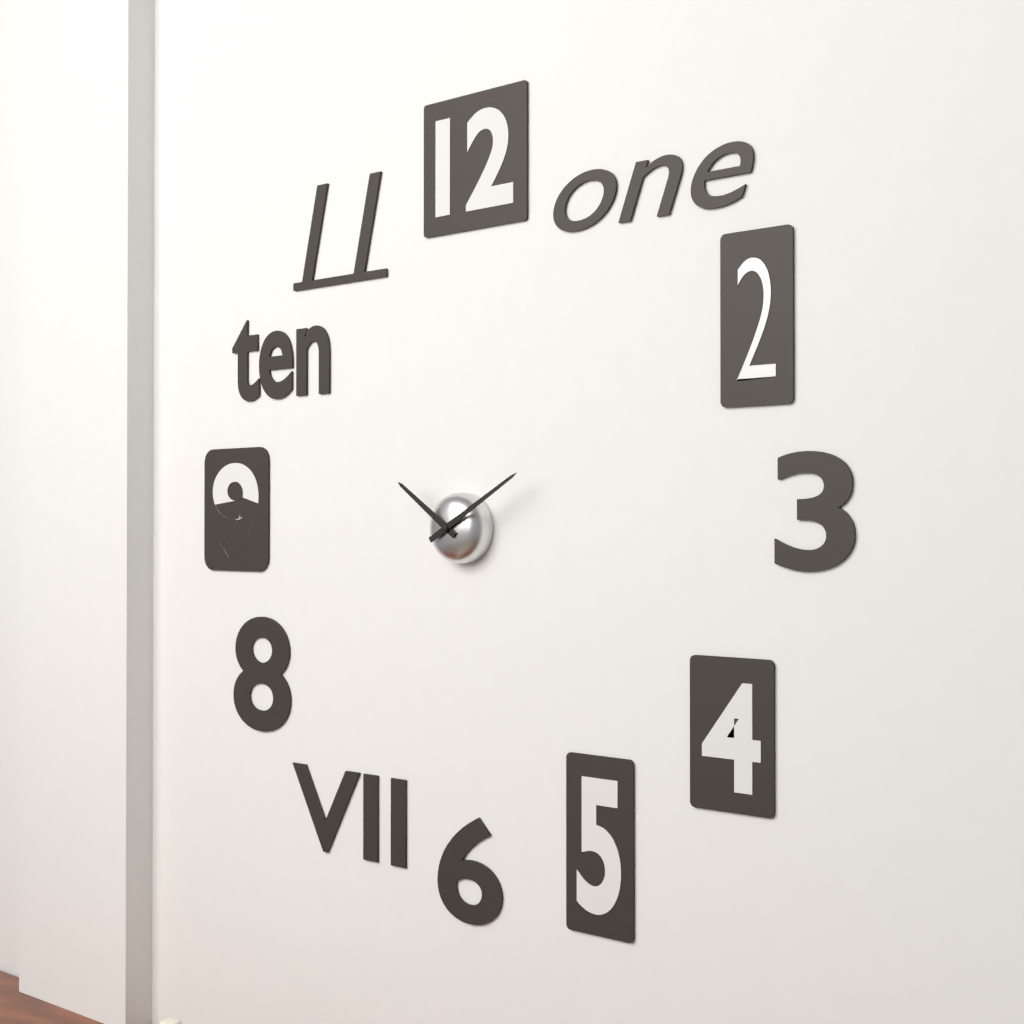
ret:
10:10
